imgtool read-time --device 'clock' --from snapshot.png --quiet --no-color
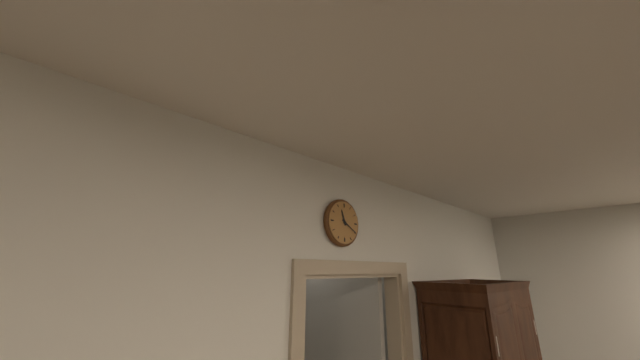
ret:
11:20
